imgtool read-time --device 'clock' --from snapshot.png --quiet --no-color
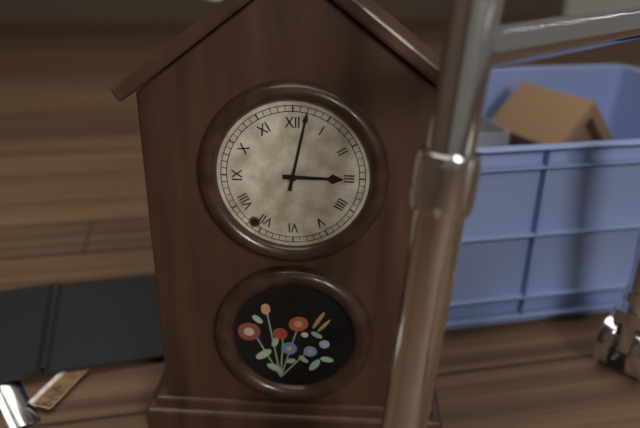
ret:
3:02
